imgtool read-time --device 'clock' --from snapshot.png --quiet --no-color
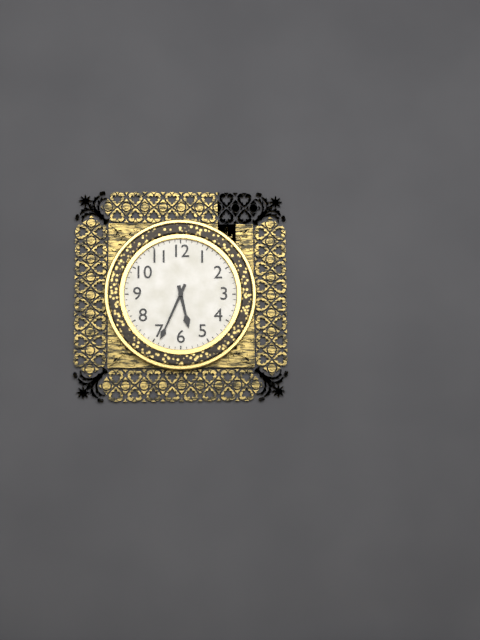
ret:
5:34
